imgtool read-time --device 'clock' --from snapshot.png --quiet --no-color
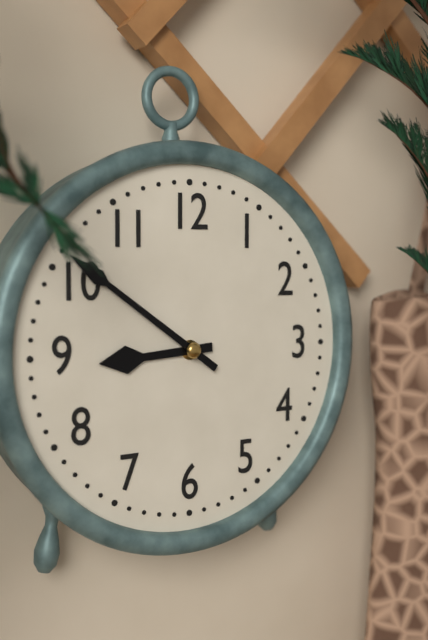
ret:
8:51
